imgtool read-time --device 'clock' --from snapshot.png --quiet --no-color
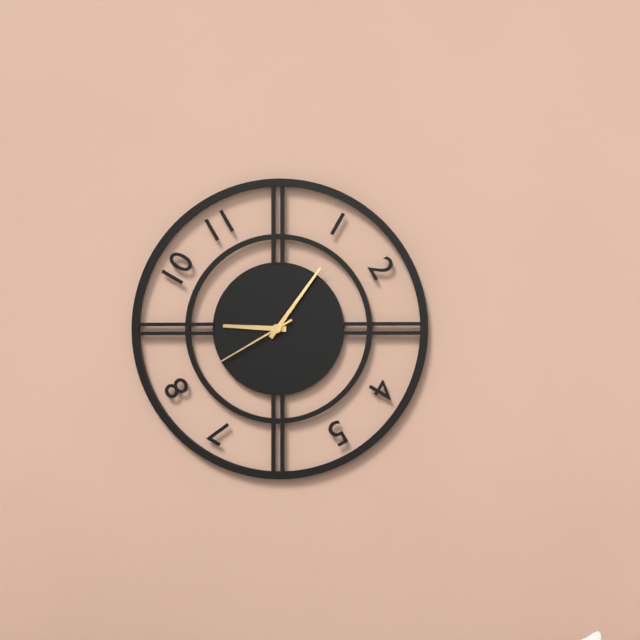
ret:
9:06:40
